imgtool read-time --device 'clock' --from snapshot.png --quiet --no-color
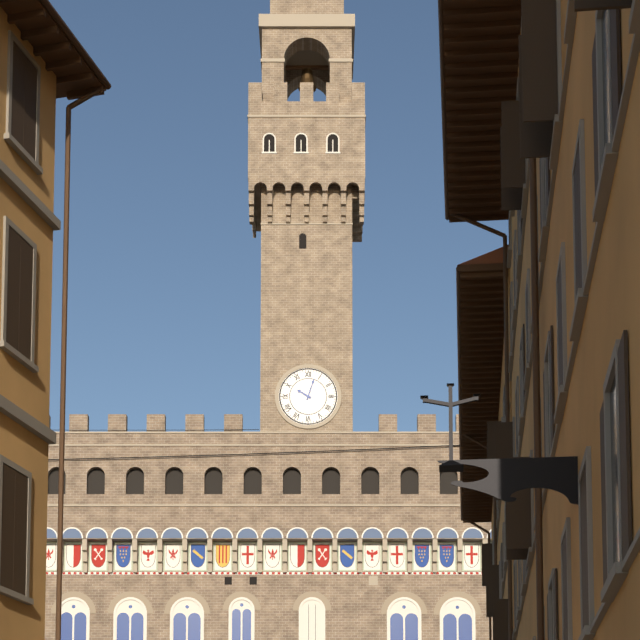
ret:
10:03
